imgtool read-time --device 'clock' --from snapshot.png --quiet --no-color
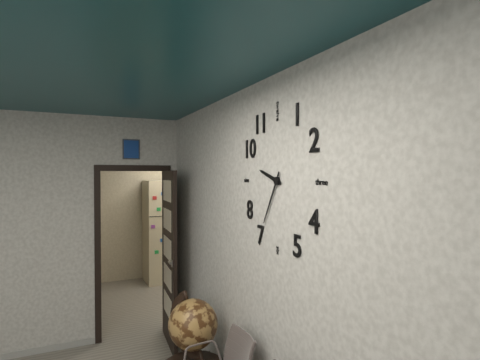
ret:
9:35
